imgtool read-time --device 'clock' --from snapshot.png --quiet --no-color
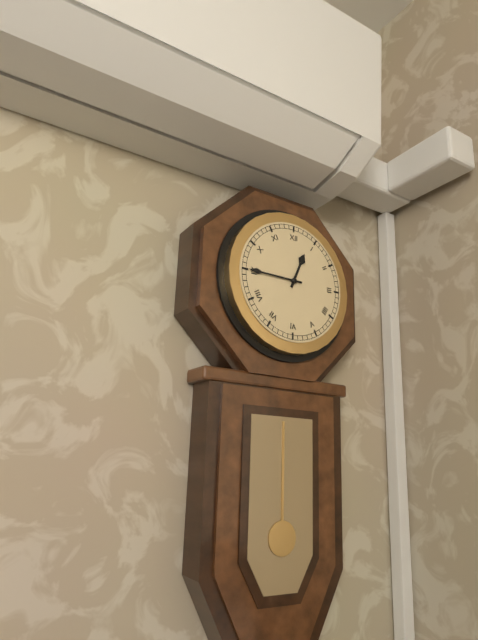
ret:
12:45
